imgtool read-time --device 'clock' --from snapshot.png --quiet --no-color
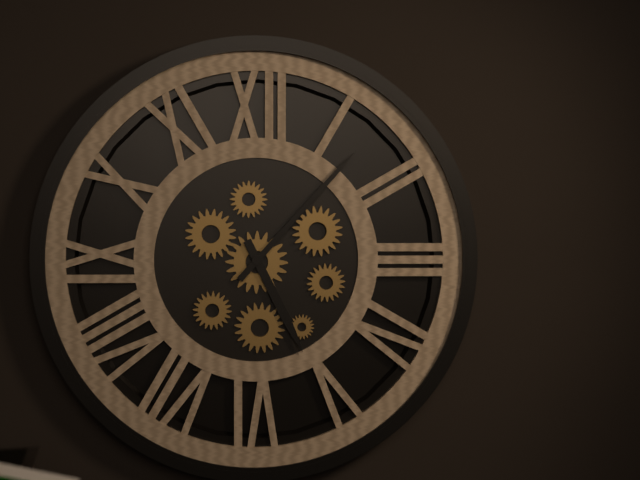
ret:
5:07
